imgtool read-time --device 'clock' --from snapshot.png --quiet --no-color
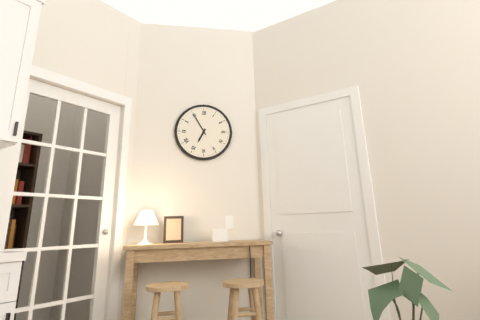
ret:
6:55
